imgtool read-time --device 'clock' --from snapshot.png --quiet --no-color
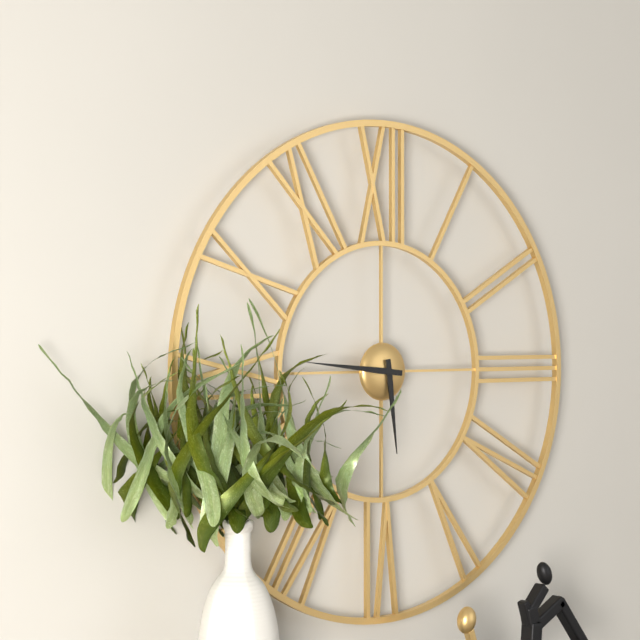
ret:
5:46
